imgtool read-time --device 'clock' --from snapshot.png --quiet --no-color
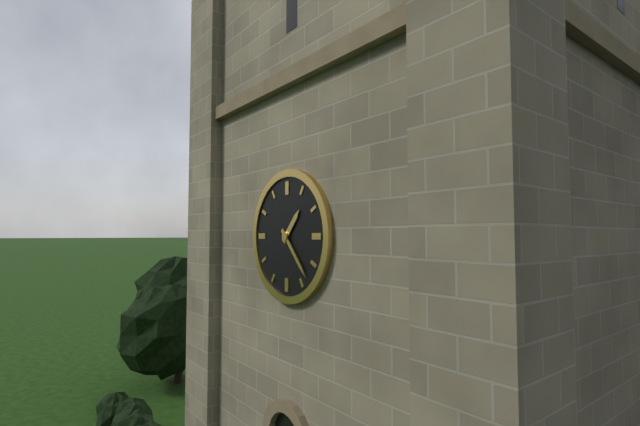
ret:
1:23
